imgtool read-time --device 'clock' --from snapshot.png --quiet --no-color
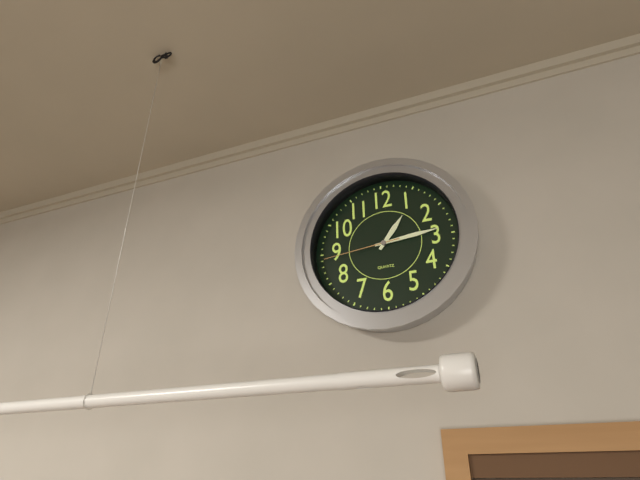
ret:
1:14:44
